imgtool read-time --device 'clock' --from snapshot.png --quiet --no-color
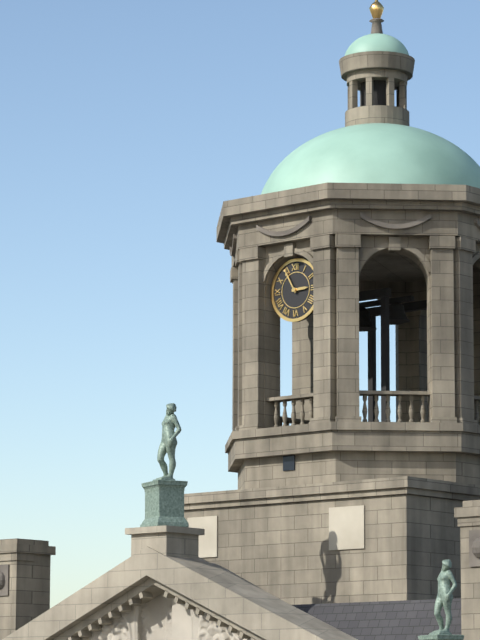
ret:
2:55
